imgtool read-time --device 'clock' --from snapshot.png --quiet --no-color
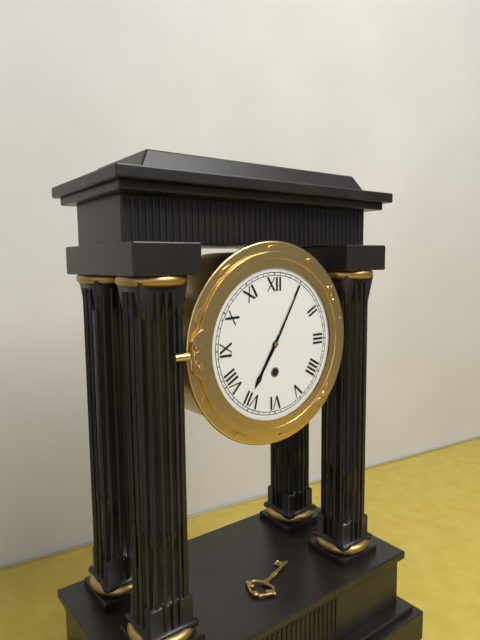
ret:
7:05
